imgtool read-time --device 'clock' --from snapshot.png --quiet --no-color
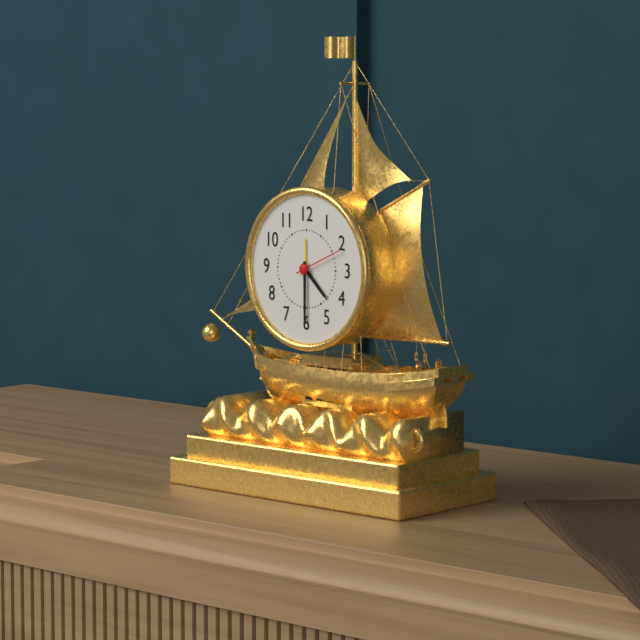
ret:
4:30:11
